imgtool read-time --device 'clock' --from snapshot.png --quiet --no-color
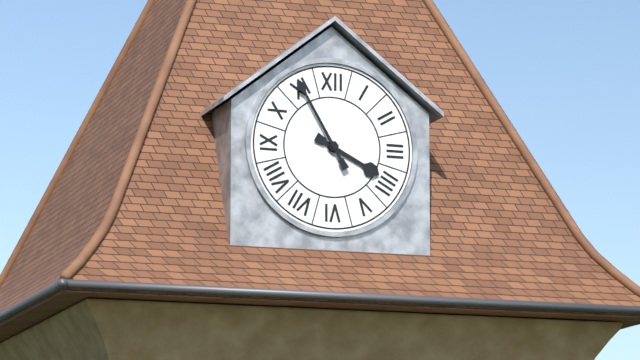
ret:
3:55
